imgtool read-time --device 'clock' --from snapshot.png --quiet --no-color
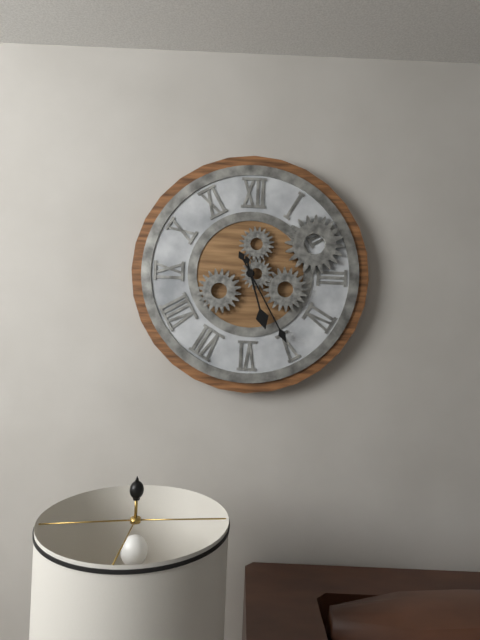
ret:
5:25
